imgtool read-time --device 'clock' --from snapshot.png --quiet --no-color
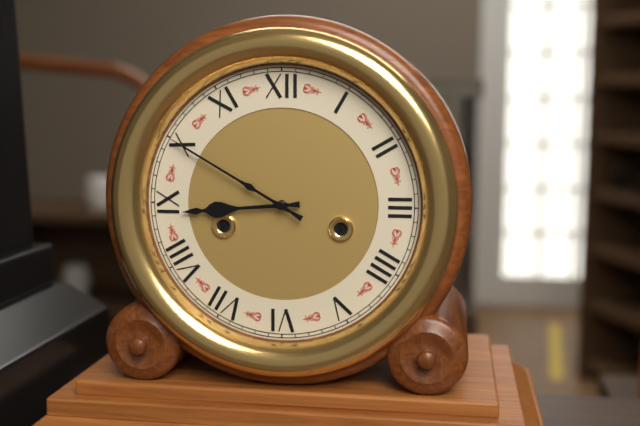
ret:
8:50
